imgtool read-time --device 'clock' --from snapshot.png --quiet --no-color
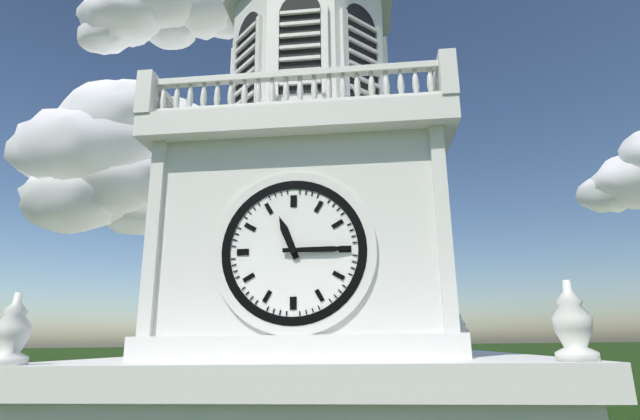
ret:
11:15
